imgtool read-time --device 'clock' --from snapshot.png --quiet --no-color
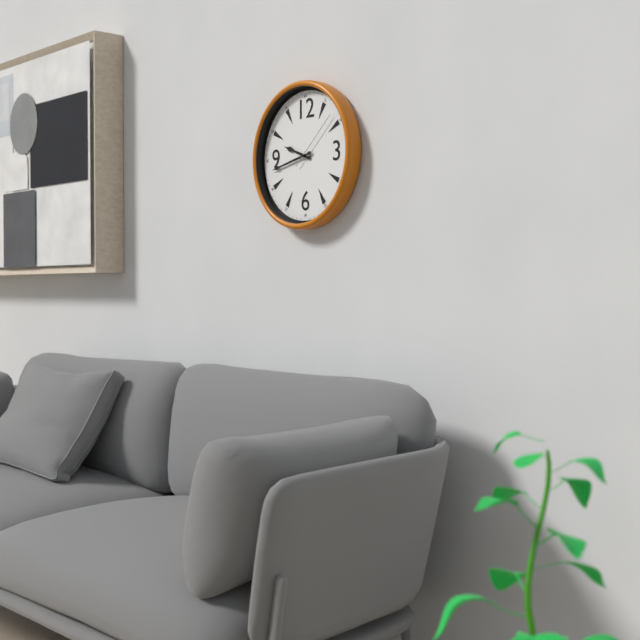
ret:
9:43:08
